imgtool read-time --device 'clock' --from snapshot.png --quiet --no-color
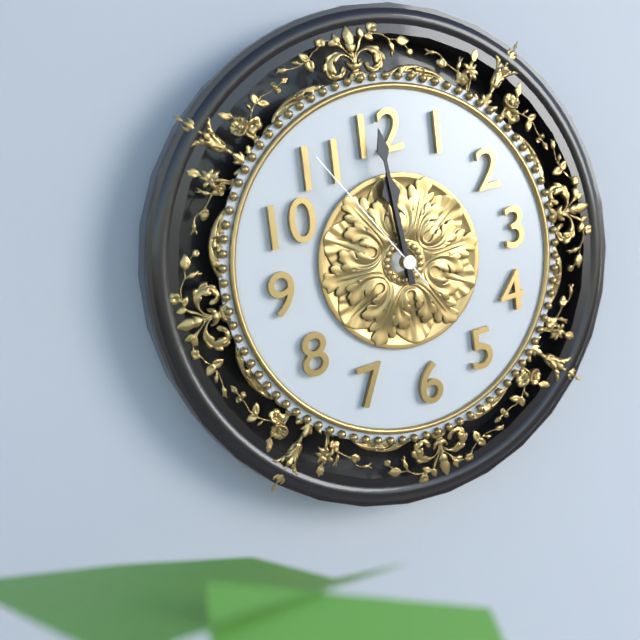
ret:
12:00:55
